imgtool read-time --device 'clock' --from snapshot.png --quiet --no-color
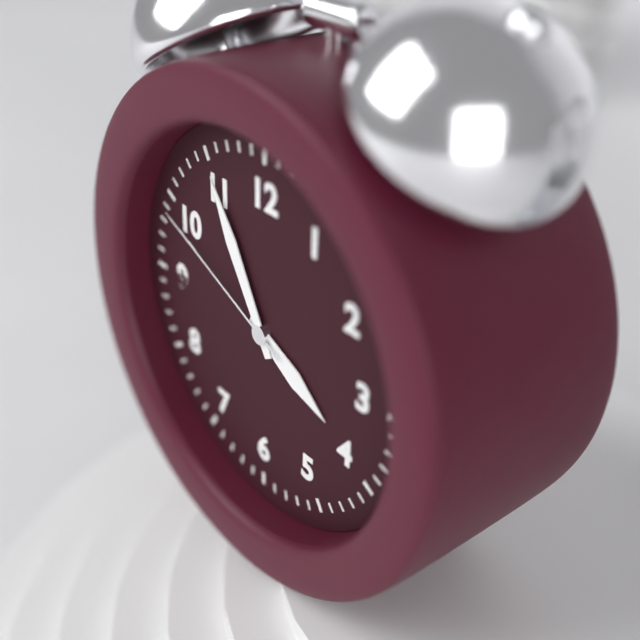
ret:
3:55:49
